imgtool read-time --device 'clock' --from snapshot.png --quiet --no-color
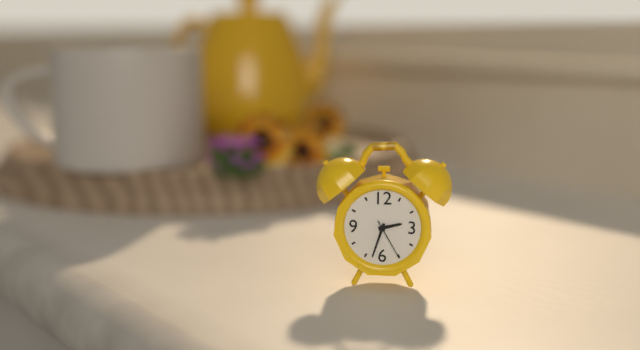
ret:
2:33
